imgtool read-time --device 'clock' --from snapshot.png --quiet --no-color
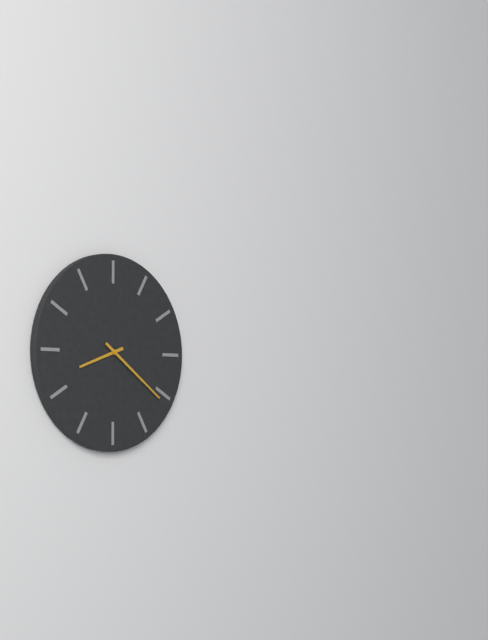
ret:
8:21
